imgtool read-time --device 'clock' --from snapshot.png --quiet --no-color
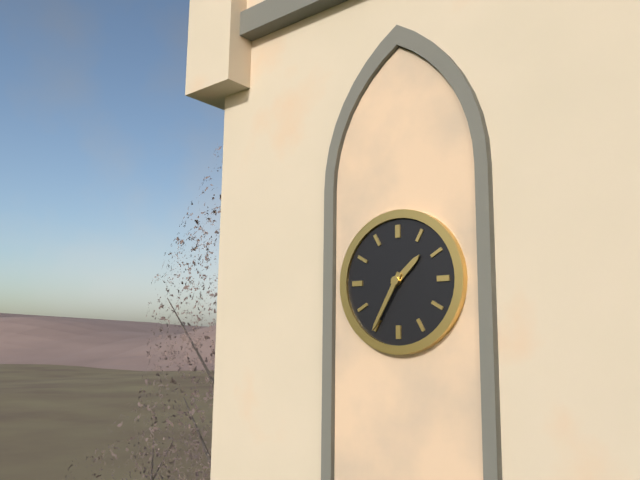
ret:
1:35
